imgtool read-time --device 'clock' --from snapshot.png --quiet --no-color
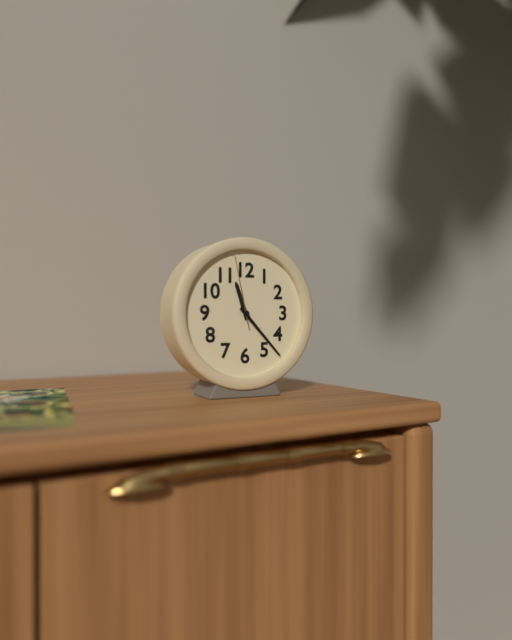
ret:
11:23:58
